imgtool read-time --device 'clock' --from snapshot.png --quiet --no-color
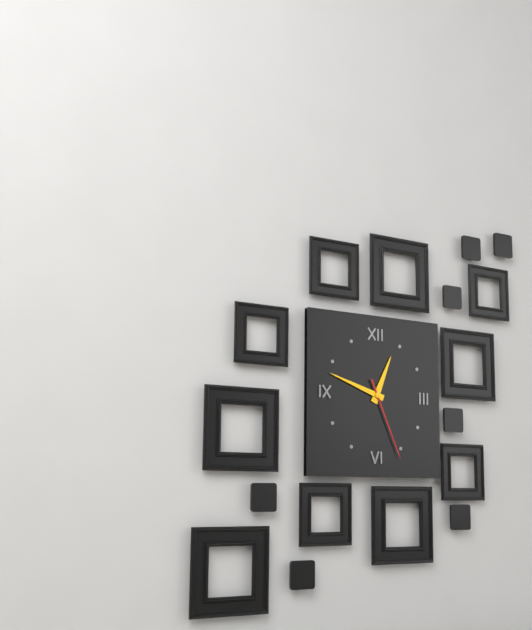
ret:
12:48:26
